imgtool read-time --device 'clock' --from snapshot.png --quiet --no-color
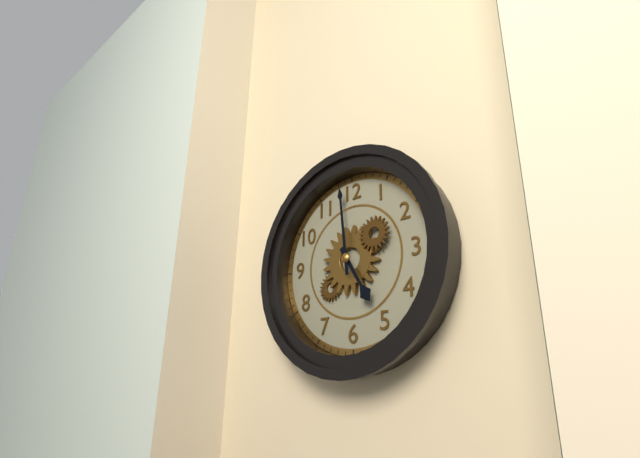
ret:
4:59
